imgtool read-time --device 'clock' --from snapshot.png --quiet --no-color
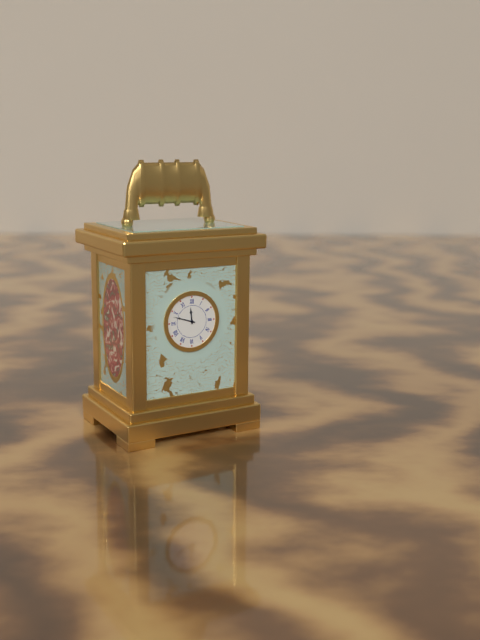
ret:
11:48
